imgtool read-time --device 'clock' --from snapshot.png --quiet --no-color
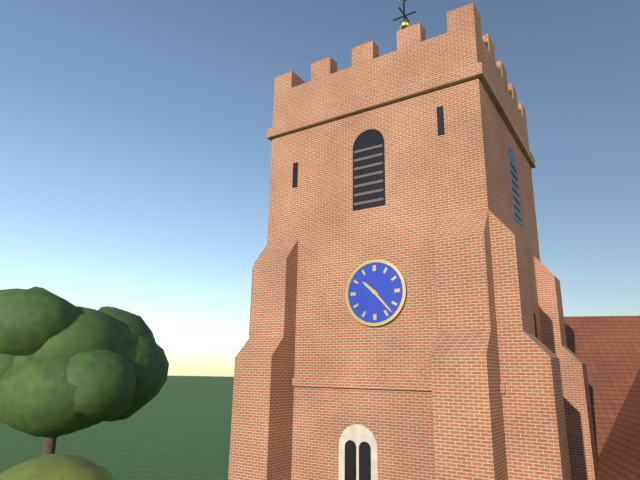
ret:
10:23
